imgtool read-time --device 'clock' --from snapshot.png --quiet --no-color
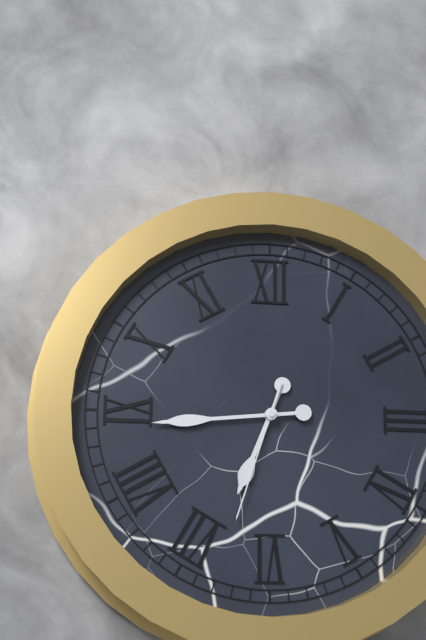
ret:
6:44:33
